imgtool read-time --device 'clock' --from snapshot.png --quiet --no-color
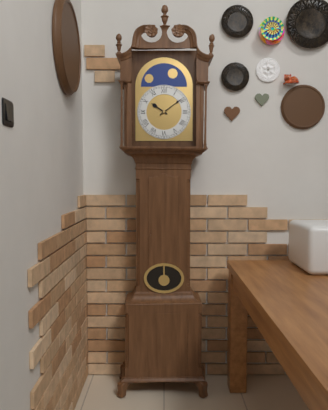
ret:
10:09
